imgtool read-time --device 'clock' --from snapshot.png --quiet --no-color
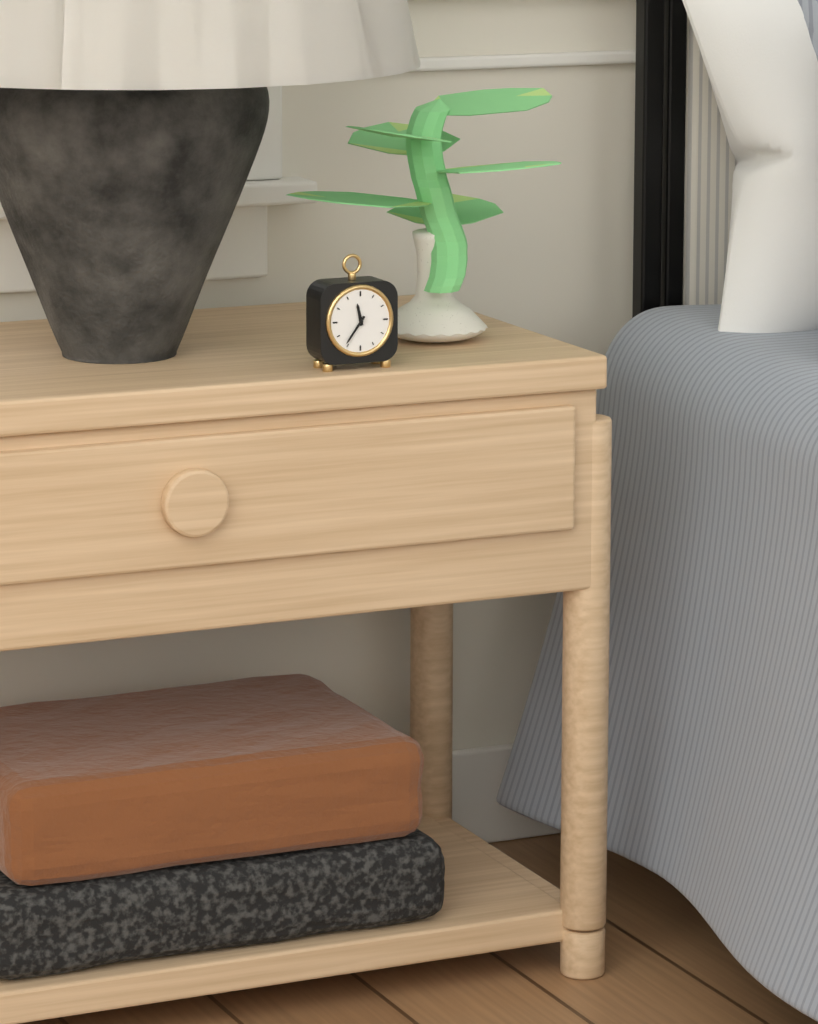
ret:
11:36
